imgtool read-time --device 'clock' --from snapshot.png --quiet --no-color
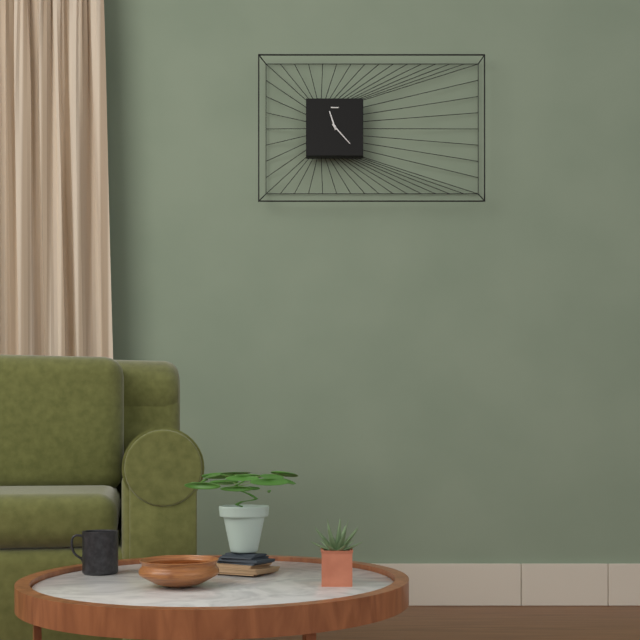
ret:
11:23
